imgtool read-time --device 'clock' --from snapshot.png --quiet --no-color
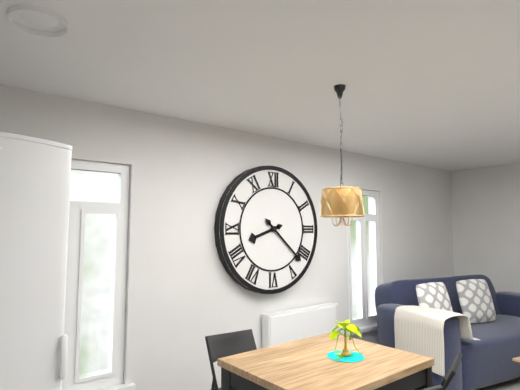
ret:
8:22
